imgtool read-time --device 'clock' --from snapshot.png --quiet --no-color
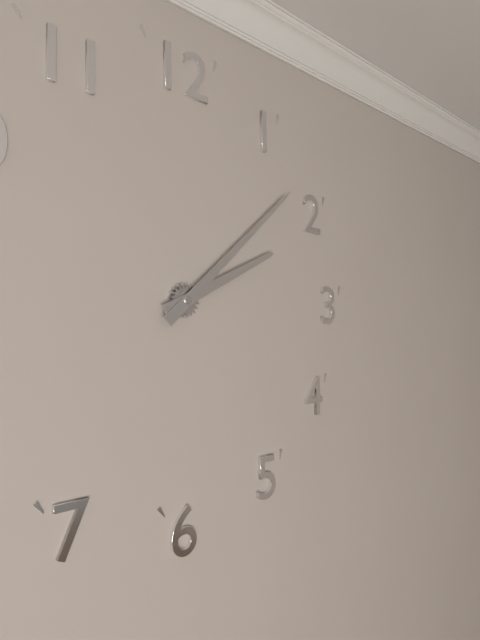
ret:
2:08
